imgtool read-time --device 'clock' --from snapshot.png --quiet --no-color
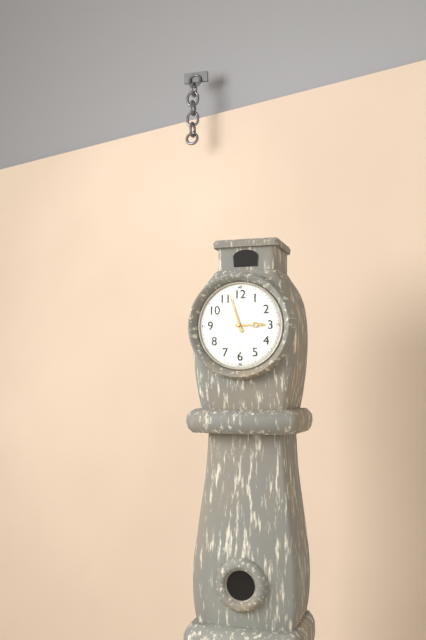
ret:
2:57
